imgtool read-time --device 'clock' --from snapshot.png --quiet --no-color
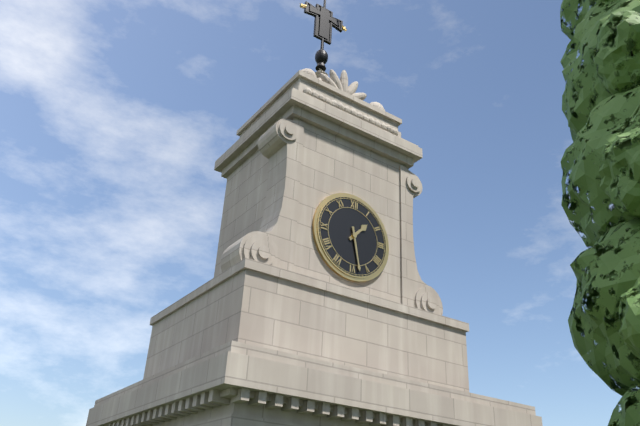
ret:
1:28
